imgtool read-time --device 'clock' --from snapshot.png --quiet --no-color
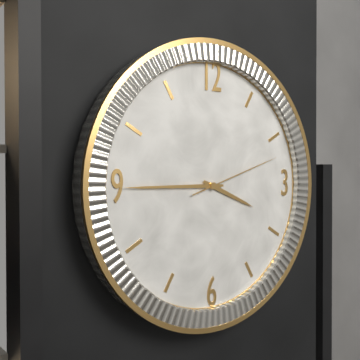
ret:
3:45:12
